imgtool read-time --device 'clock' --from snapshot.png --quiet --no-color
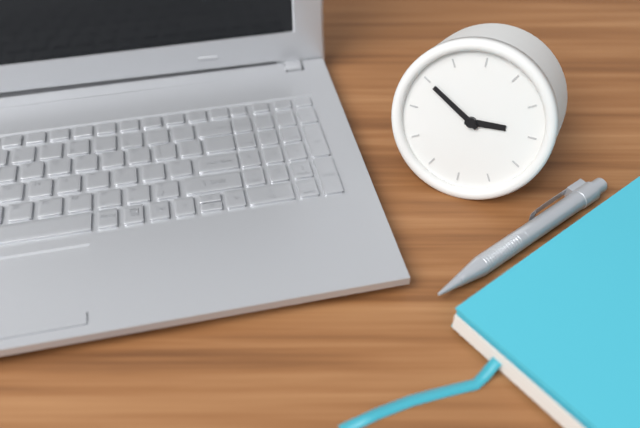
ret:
2:50
